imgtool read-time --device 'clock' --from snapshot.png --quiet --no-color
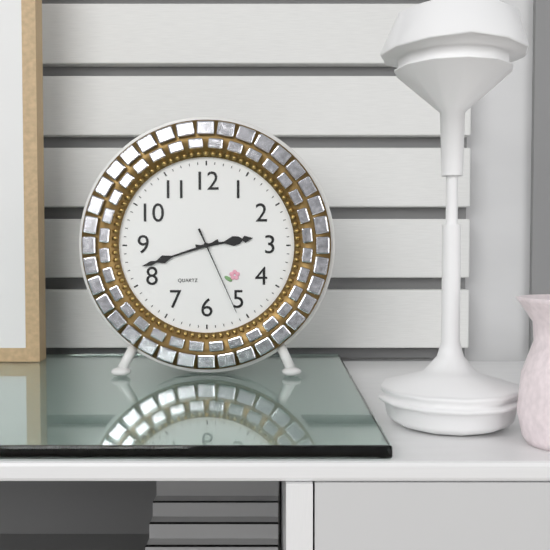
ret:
2:42:26
